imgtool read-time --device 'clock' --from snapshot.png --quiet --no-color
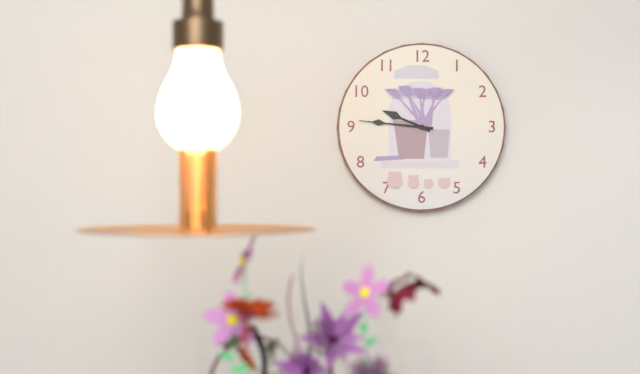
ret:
9:46
